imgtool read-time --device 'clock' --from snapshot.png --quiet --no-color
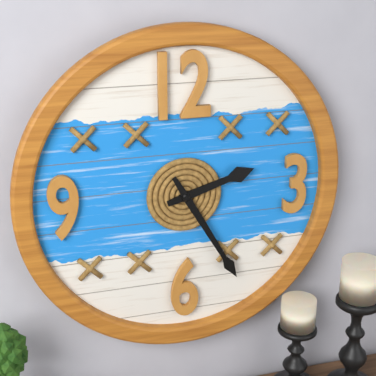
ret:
2:25
